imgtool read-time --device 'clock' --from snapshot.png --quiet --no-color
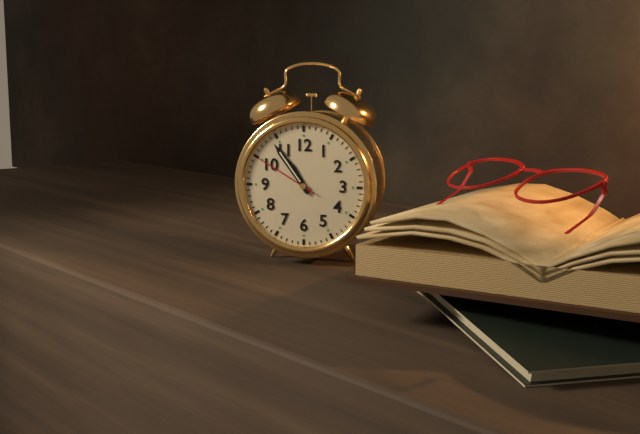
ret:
10:54:50
